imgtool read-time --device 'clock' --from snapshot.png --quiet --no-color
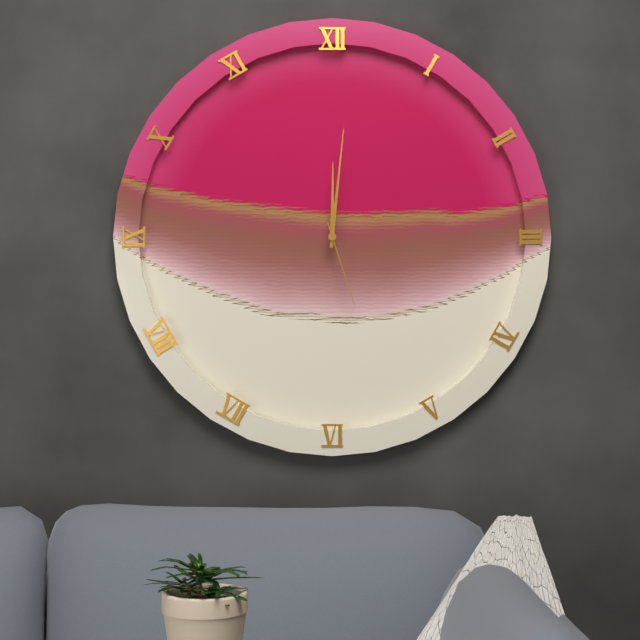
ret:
12:01:27
